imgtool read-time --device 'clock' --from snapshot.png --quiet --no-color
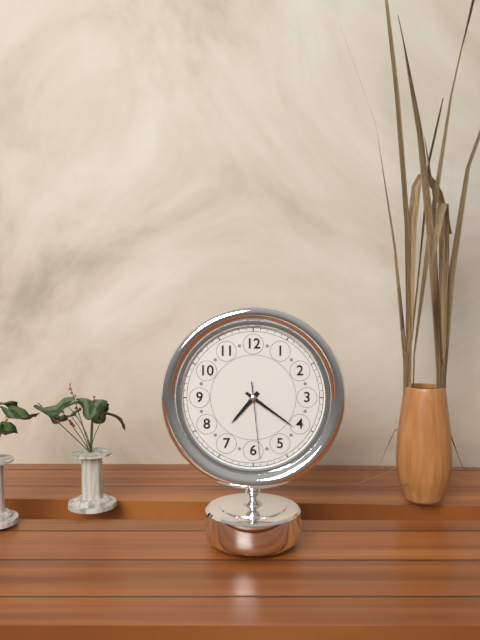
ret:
7:21:29
